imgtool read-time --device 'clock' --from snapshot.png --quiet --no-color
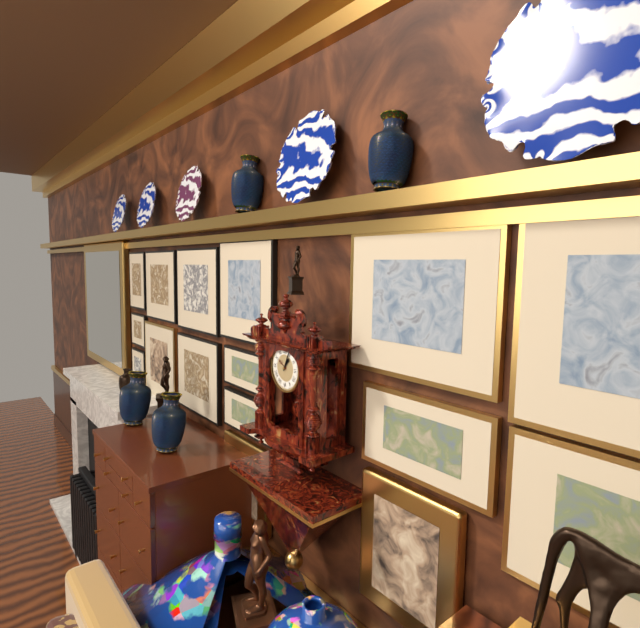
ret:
1:04
